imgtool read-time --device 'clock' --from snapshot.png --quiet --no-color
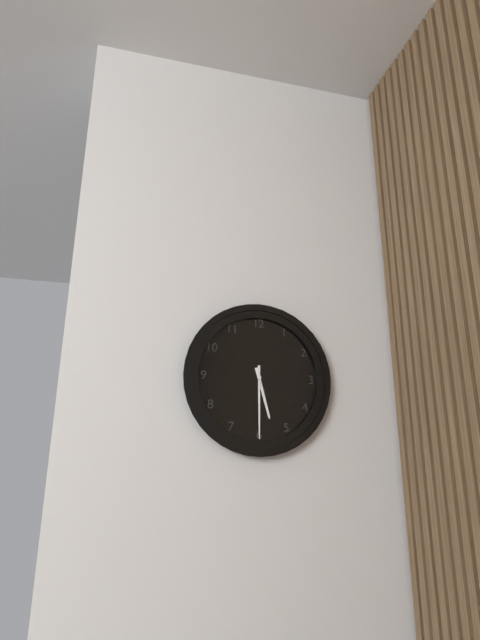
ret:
5:30
